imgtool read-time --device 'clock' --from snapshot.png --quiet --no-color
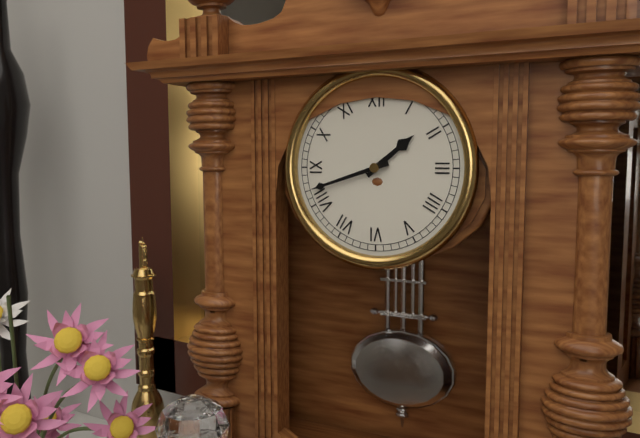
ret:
1:42
